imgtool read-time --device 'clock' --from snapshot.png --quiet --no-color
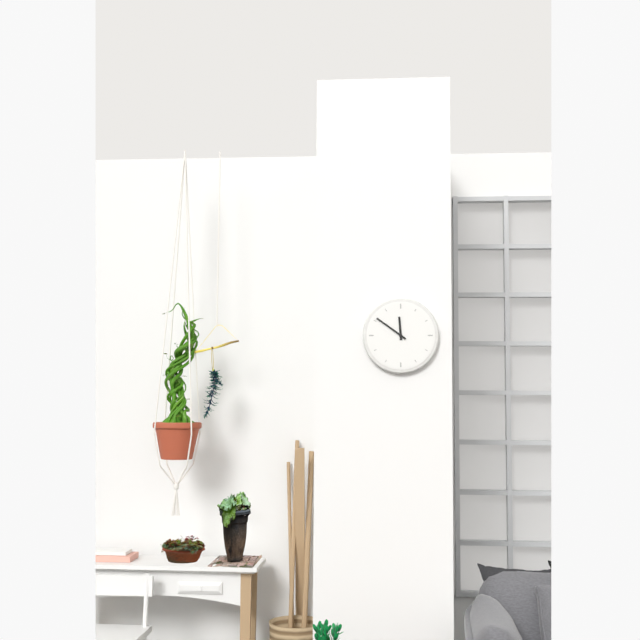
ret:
11:51
